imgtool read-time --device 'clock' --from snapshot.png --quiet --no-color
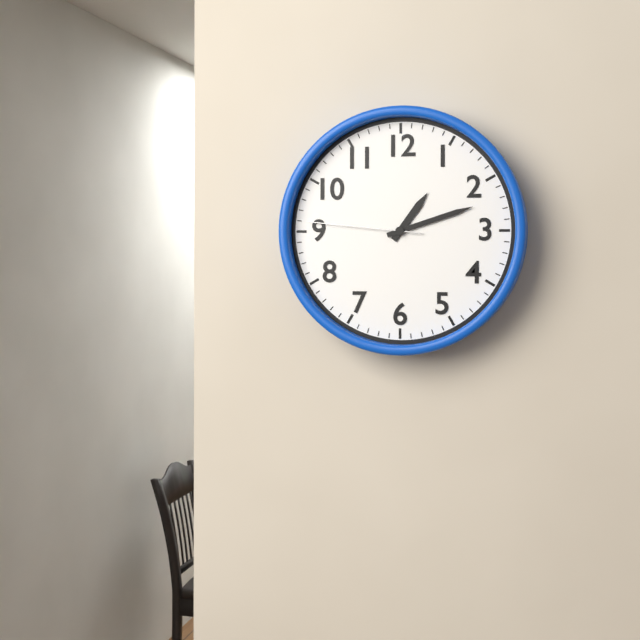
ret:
1:12:46
